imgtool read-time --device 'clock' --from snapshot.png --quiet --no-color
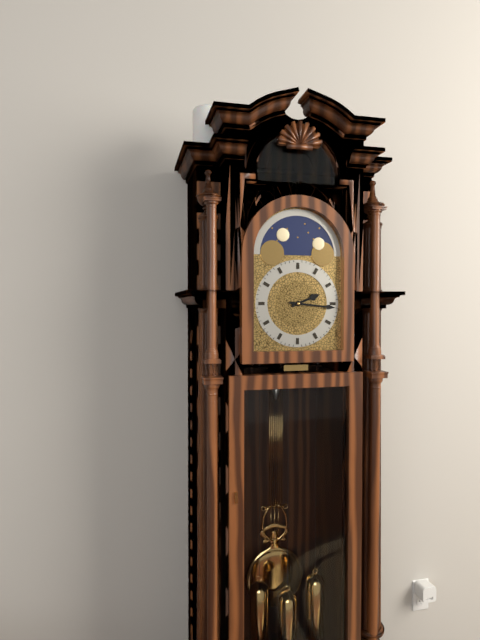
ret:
2:16
